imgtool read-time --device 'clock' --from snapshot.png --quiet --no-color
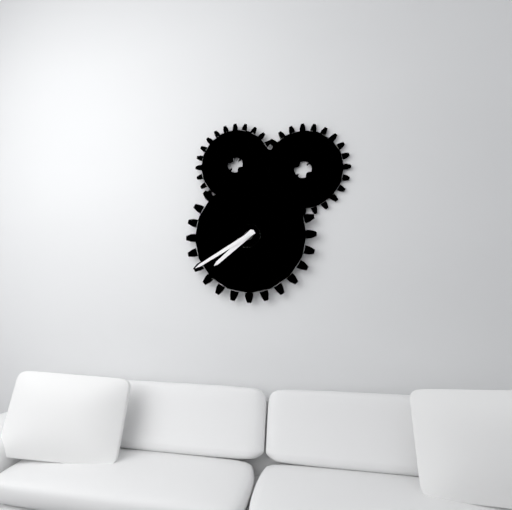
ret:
7:40
